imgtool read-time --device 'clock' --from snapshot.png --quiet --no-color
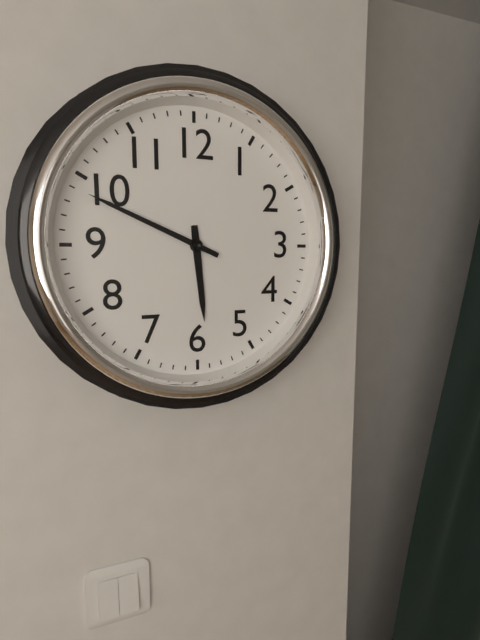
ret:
5:49
